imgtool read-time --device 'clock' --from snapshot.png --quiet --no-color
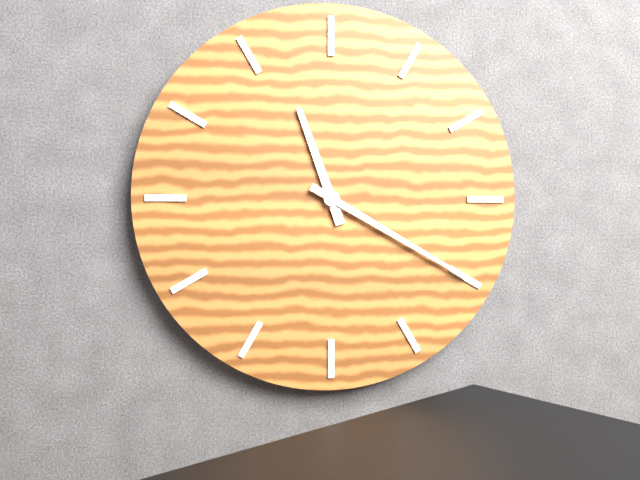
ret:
11:20
